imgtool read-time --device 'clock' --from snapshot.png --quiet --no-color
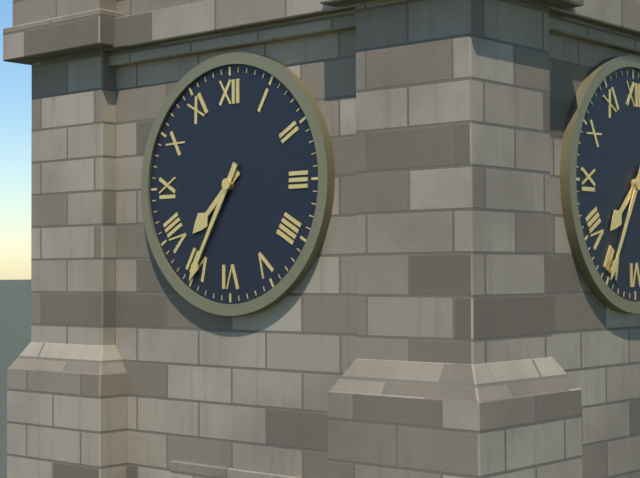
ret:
7:35
